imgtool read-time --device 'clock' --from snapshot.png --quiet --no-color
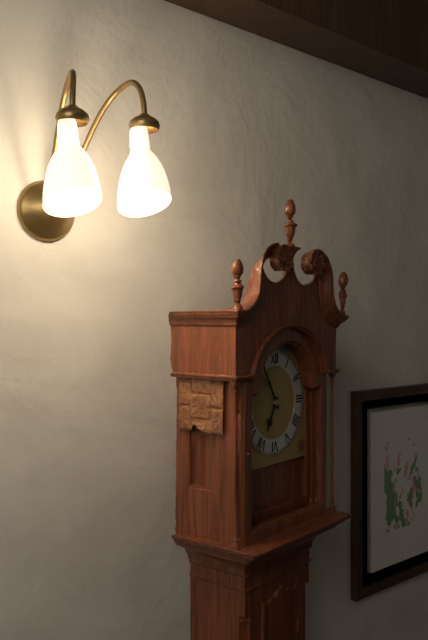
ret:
6:55
